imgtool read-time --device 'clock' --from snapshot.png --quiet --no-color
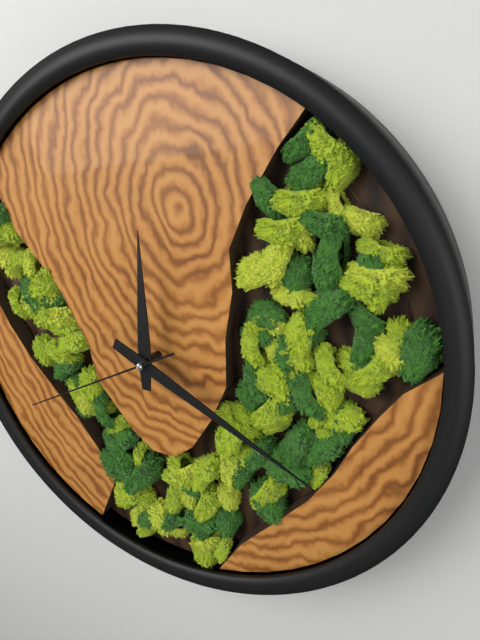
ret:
12:21:42
